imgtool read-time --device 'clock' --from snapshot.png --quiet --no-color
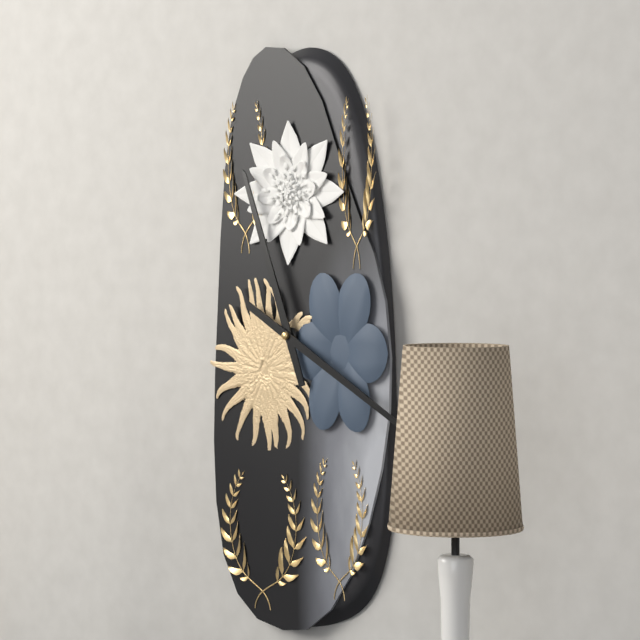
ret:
11:20
